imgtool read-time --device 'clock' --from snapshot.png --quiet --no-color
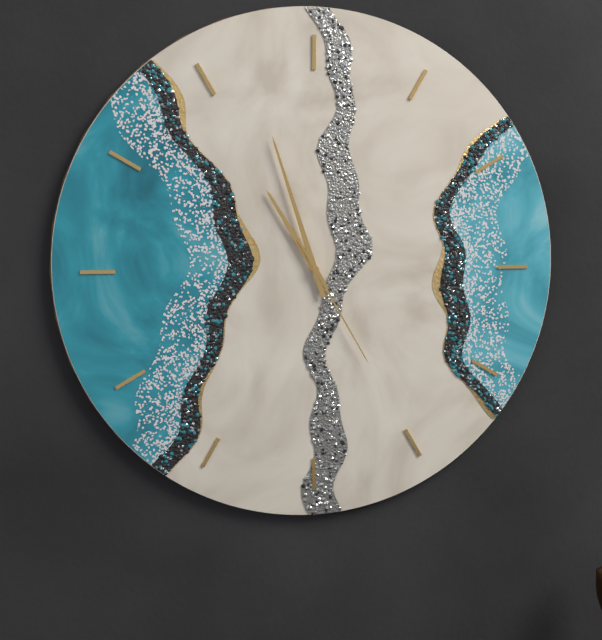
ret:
10:57:25
